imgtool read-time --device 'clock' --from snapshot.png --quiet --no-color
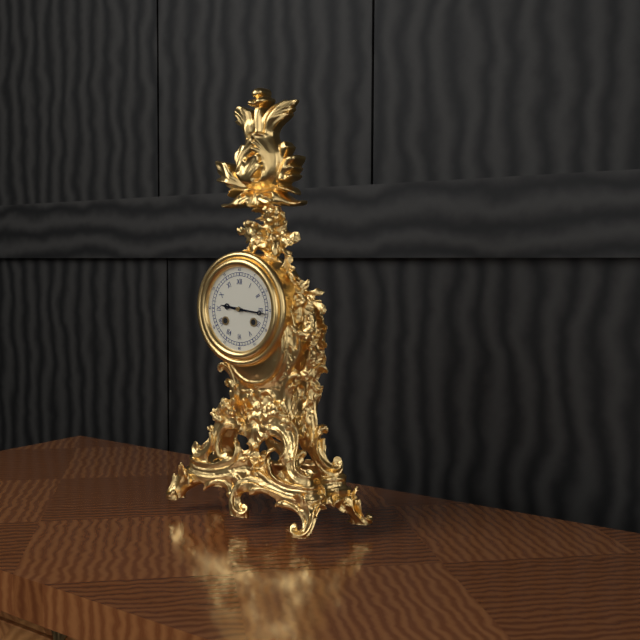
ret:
9:16
